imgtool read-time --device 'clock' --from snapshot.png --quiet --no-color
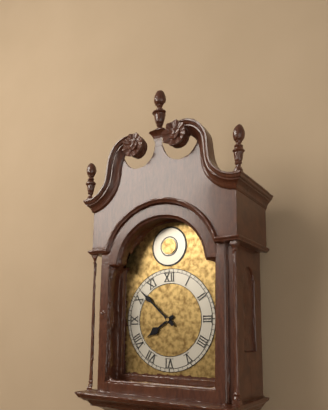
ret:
7:52
